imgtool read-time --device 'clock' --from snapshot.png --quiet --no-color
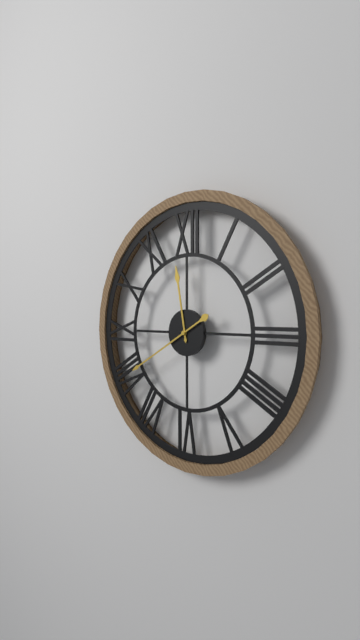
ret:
11:40
